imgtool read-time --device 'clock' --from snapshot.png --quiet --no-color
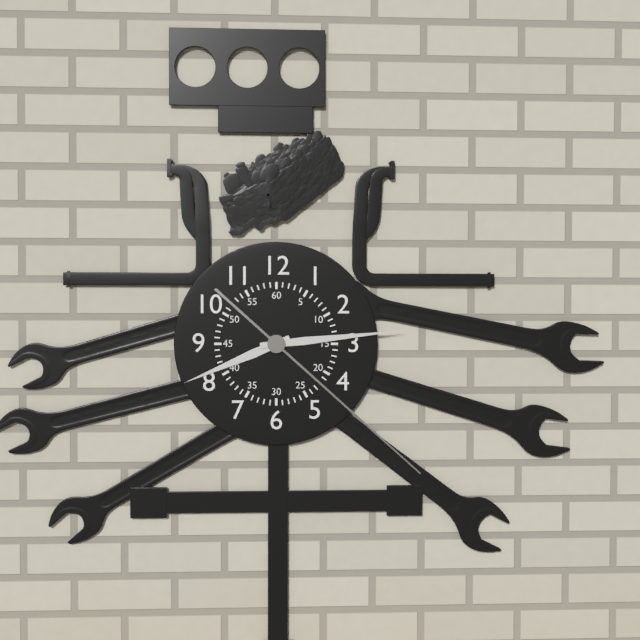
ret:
8:14:22
